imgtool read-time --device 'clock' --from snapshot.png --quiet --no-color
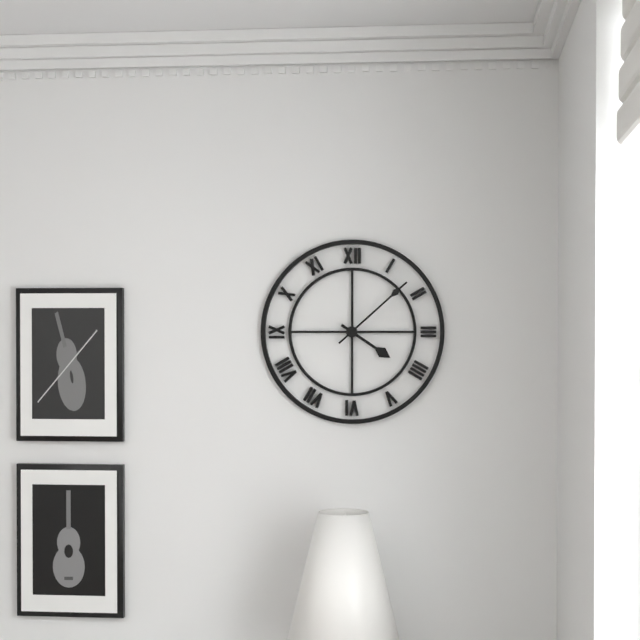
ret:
4:08
